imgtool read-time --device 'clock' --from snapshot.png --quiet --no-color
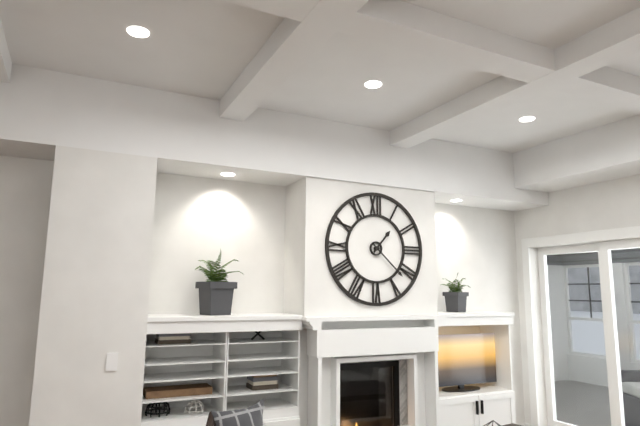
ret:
1:22
